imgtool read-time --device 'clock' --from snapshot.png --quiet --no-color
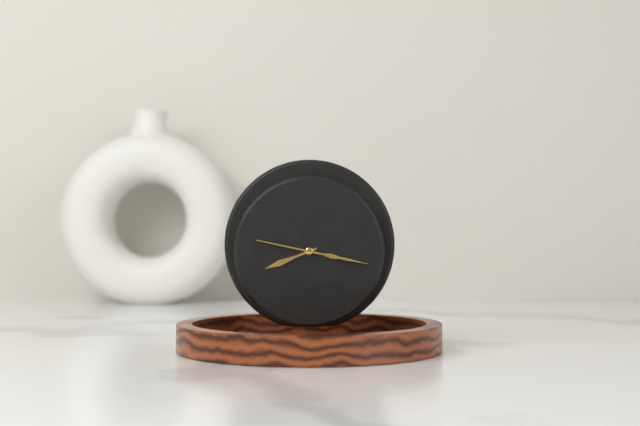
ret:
8:17
